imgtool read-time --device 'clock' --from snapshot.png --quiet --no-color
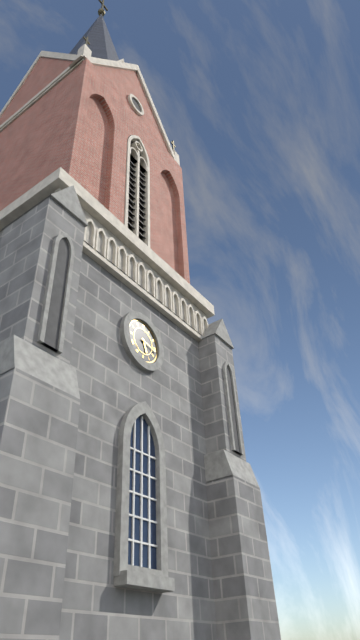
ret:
5:17
